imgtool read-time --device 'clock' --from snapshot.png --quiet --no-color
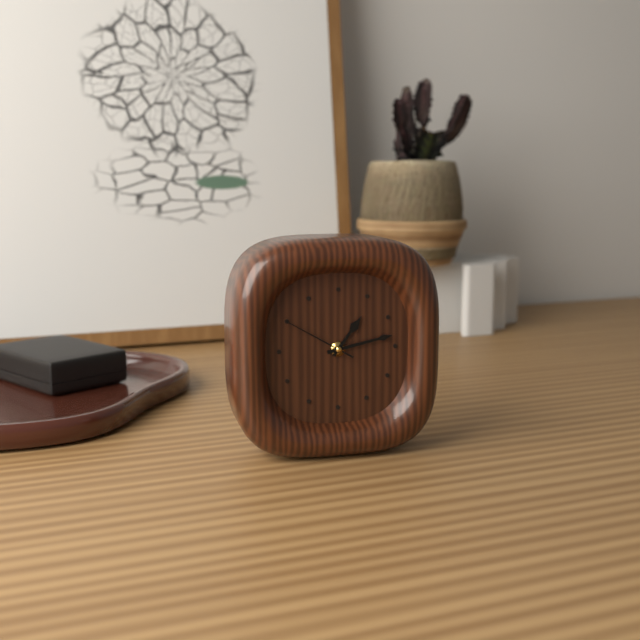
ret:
1:13:50
